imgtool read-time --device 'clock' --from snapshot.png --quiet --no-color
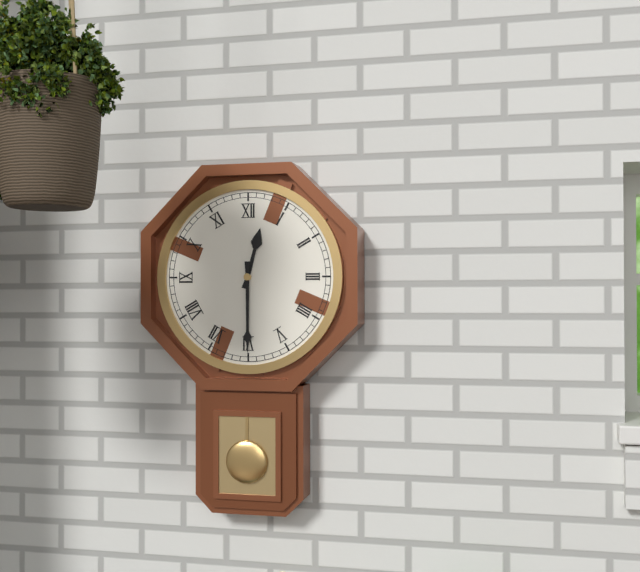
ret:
12:30
